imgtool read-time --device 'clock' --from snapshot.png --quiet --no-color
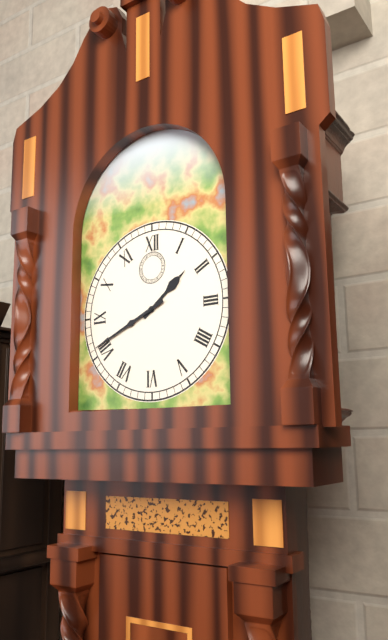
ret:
1:41
